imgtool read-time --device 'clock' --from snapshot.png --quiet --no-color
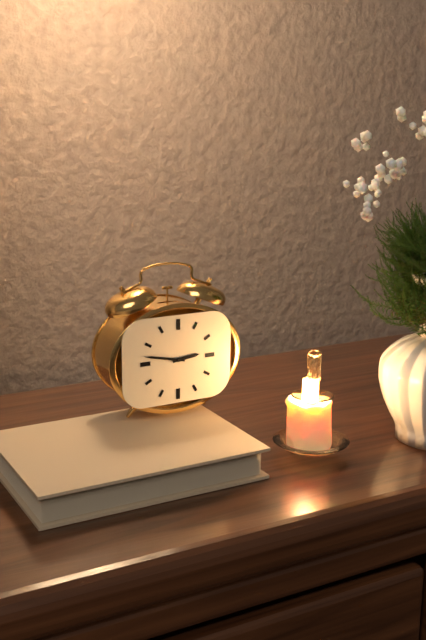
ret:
2:47
